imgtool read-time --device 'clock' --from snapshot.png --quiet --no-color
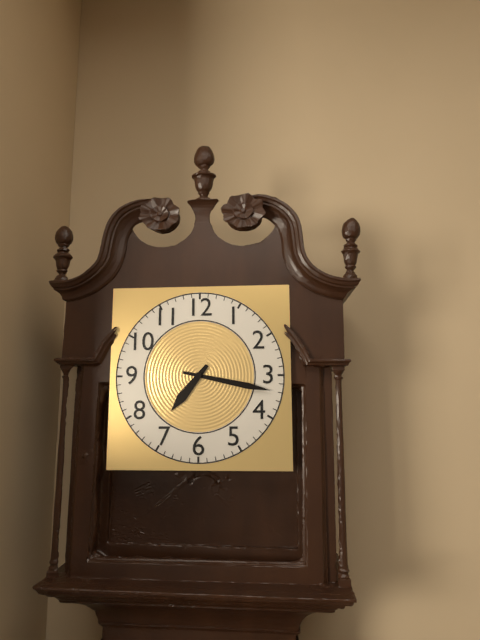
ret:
7:17
